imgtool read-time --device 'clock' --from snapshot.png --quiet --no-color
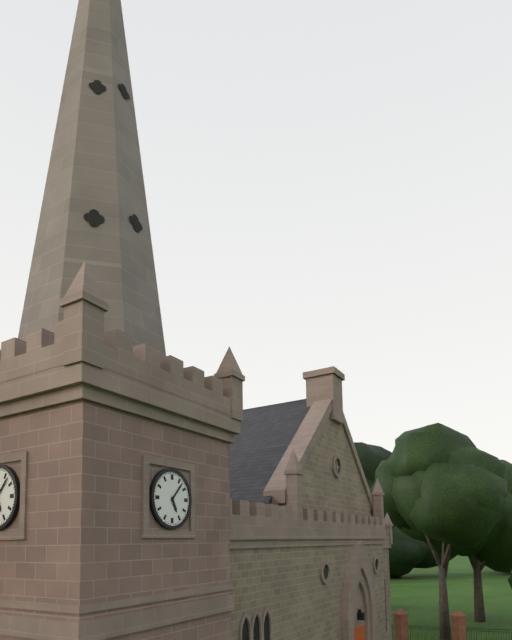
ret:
5:07
